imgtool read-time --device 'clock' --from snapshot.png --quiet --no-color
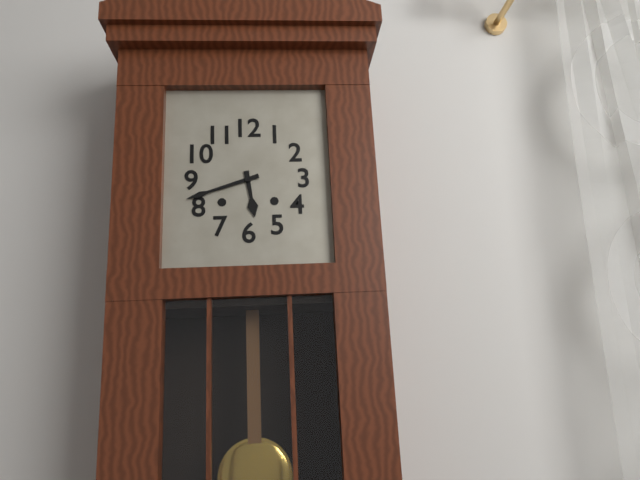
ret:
5:42
